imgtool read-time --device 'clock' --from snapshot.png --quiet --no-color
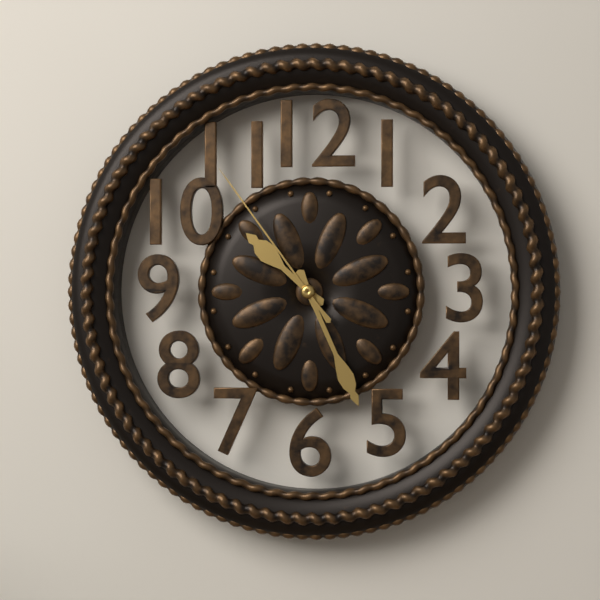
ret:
10:26:54
